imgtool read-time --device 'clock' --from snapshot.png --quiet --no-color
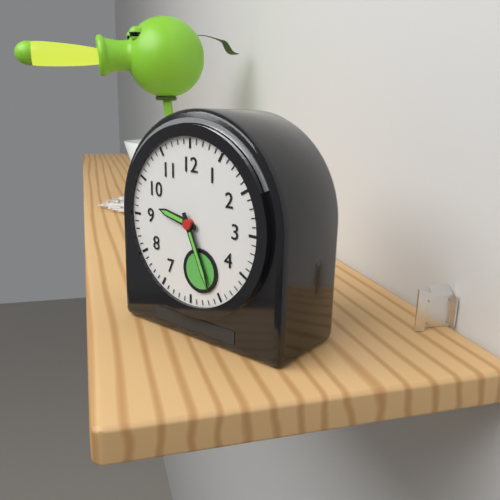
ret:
9:26
